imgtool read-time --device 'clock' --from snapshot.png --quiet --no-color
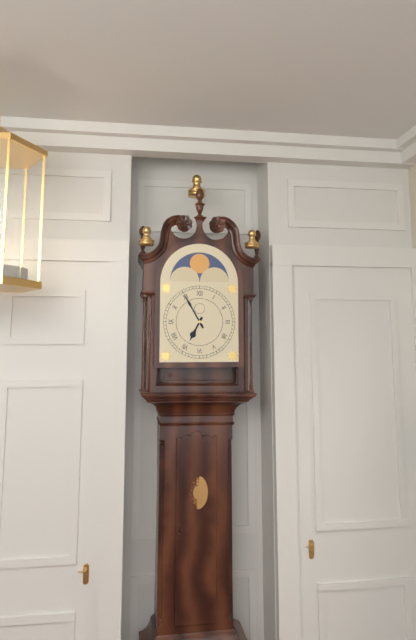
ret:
6:55
